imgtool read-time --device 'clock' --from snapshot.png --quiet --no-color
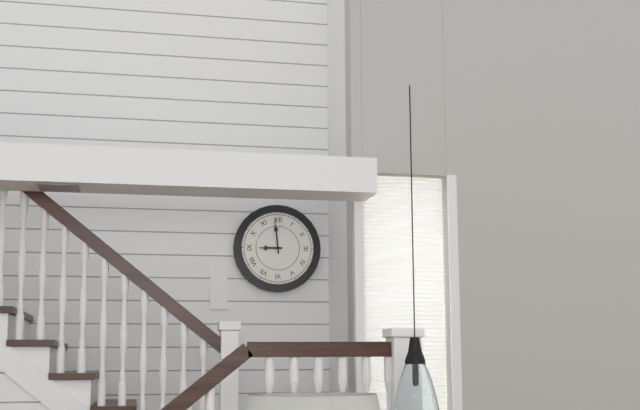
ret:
8:59
